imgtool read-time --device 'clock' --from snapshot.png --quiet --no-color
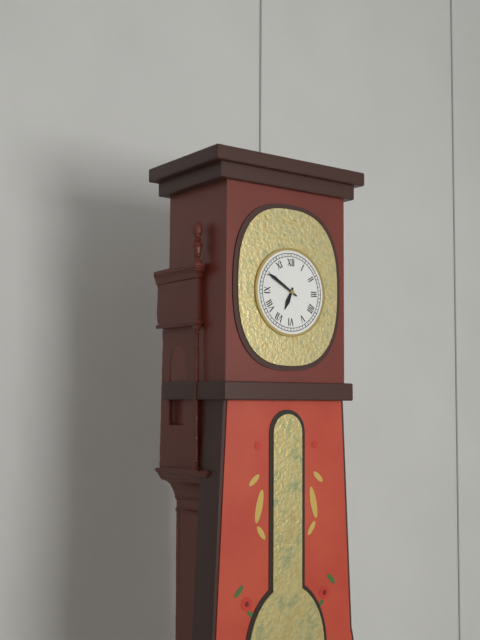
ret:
6:50
